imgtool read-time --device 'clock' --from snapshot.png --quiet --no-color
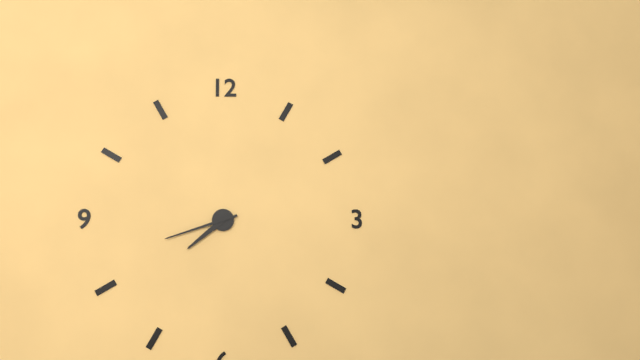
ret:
7:42
